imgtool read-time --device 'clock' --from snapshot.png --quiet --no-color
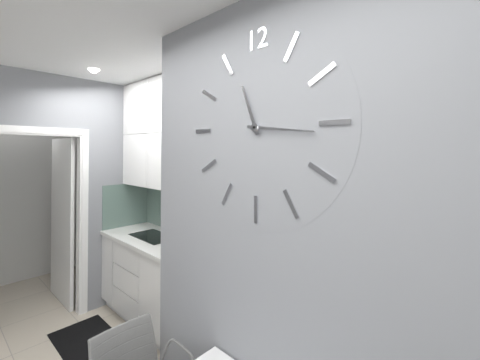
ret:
11:16
